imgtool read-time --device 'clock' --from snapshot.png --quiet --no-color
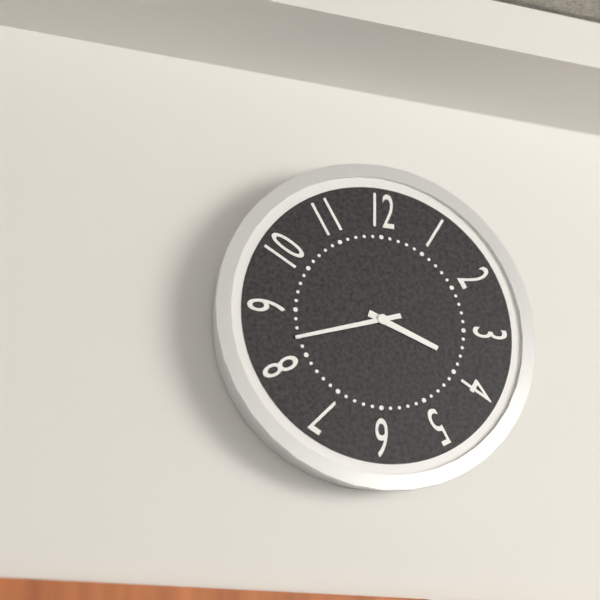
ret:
3:42
